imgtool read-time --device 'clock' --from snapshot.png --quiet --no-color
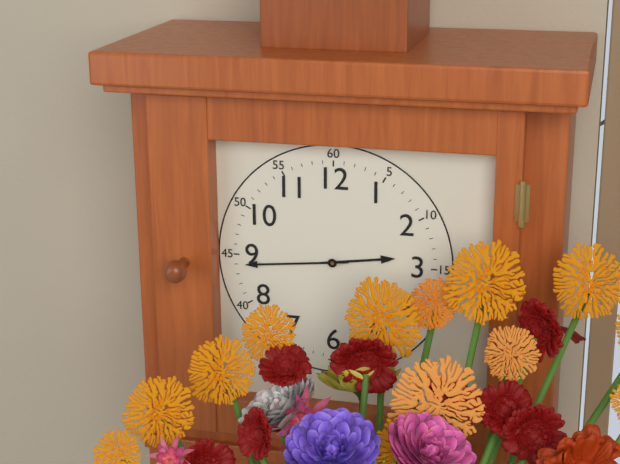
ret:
2:44
